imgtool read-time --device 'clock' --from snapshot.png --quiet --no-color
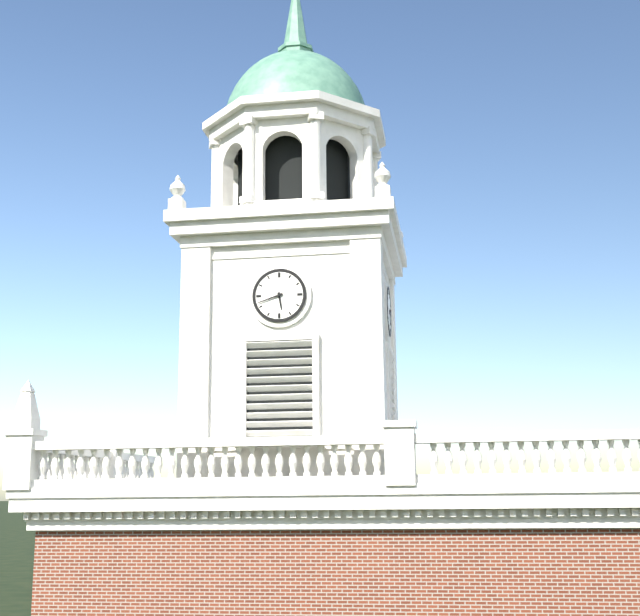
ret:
5:42
